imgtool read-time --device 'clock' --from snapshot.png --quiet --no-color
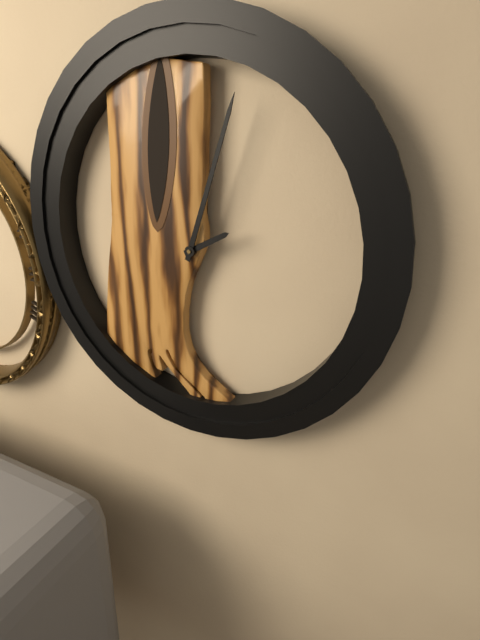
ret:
2:03
